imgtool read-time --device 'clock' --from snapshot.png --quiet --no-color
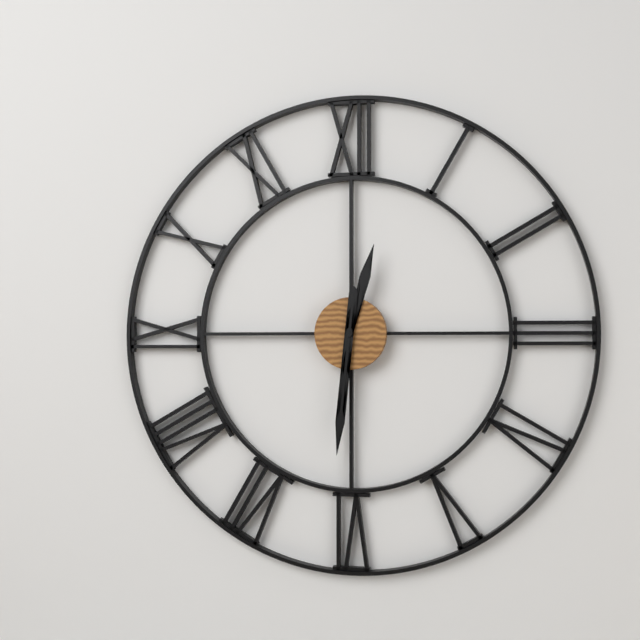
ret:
12:31
